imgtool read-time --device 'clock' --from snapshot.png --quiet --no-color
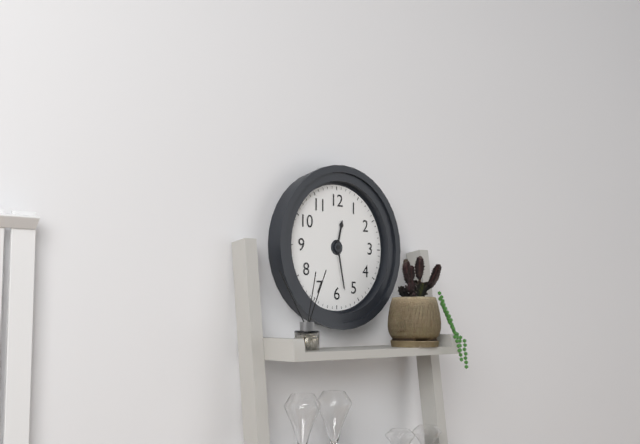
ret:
12:28
